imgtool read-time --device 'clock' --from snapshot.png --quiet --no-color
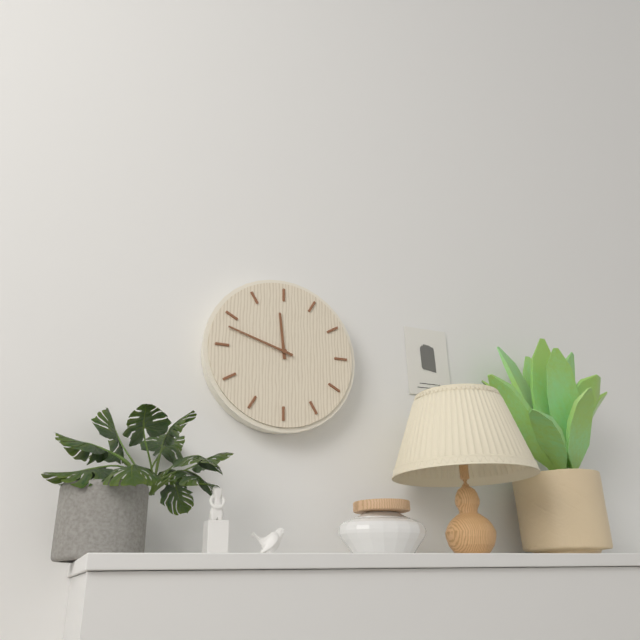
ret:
11:48
